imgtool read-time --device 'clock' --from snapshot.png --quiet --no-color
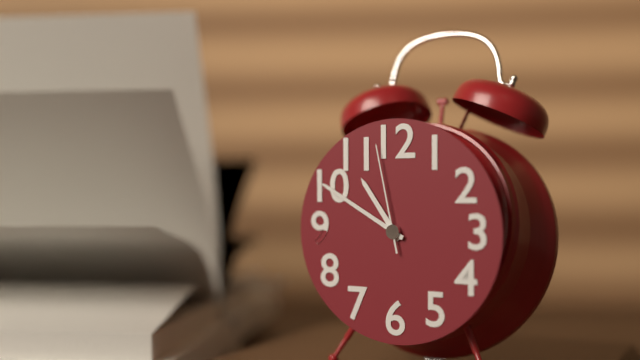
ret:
10:50:58
